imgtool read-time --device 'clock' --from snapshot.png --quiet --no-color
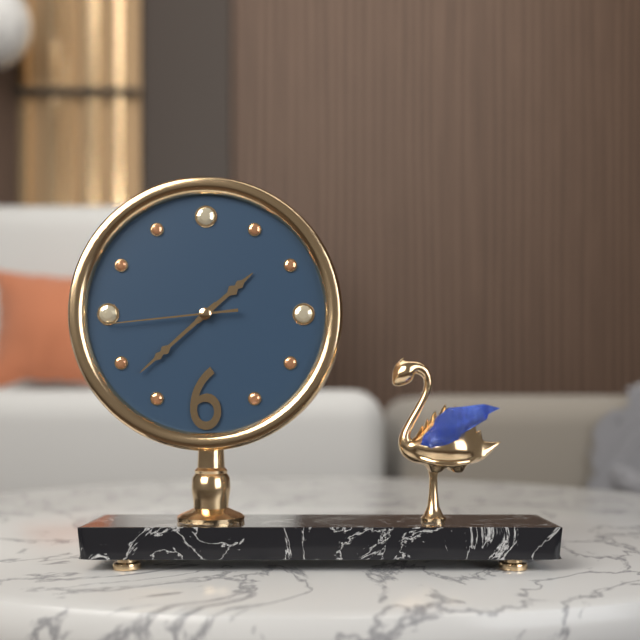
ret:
1:38:44
